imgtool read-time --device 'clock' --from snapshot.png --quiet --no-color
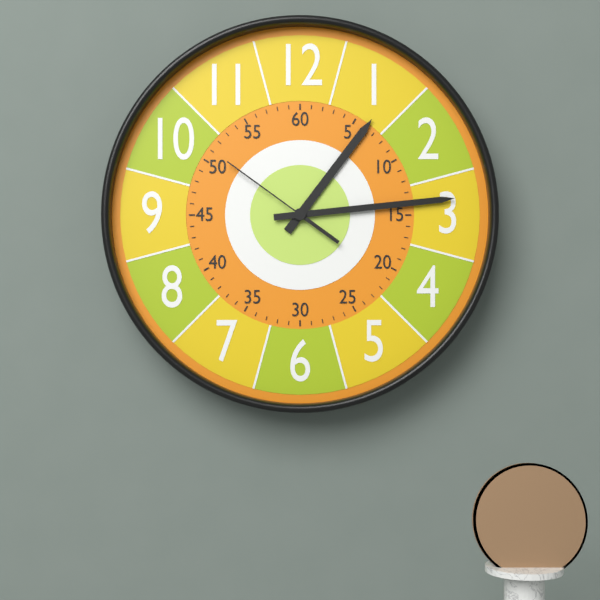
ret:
1:14:51
